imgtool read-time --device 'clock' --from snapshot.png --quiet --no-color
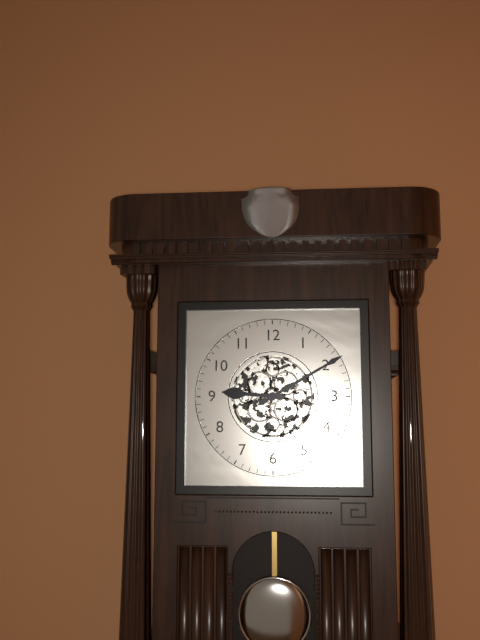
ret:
9:10
